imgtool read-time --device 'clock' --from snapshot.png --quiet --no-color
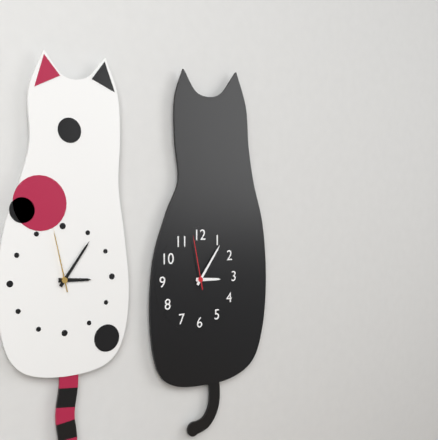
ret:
3:06:58
